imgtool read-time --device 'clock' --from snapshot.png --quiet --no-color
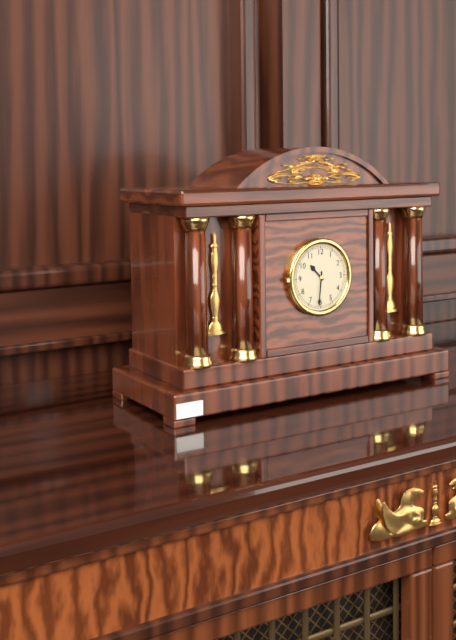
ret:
10:31
